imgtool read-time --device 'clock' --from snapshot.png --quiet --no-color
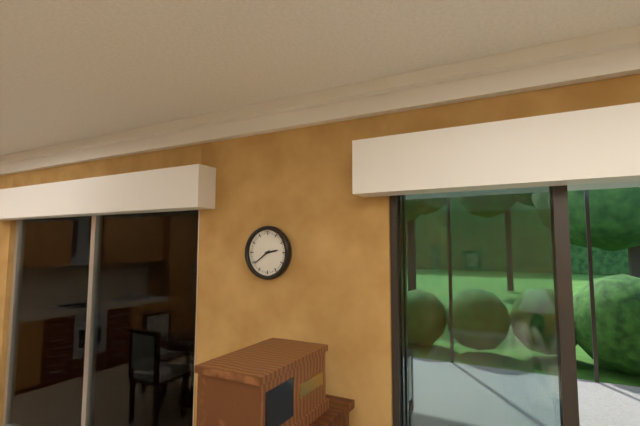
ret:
2:39
